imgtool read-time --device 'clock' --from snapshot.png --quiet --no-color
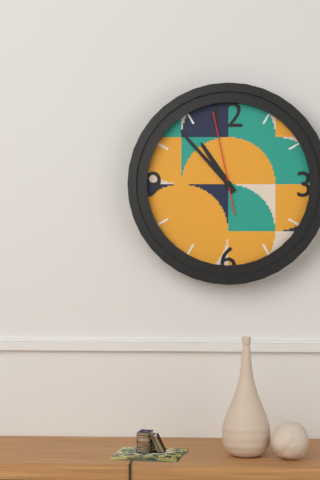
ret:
10:53:58
